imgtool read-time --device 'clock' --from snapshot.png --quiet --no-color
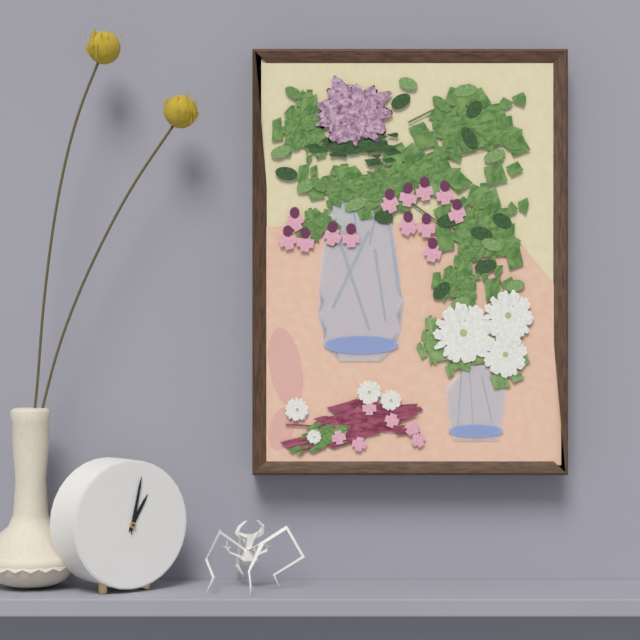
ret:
1:02
